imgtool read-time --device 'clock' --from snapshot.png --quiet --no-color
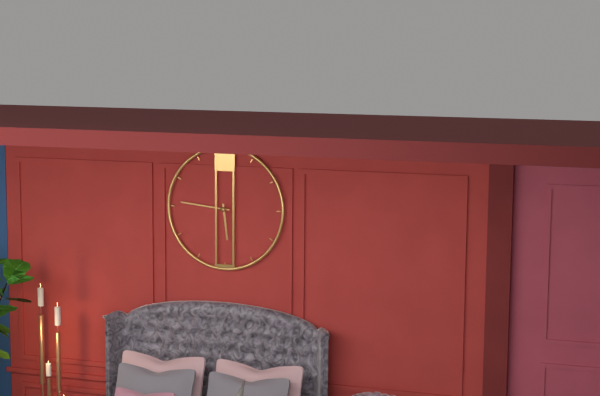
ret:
5:46
